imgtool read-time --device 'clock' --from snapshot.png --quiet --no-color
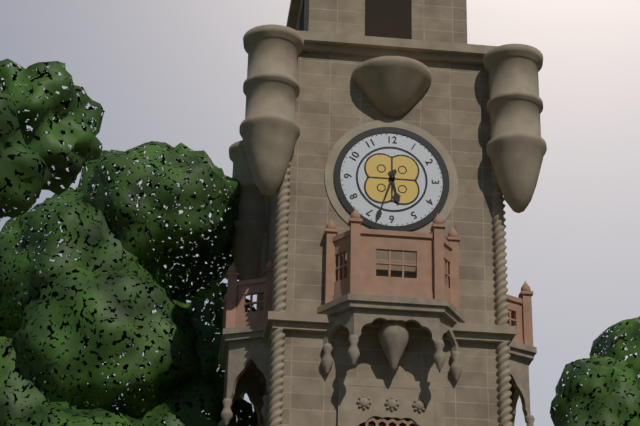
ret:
5:33
